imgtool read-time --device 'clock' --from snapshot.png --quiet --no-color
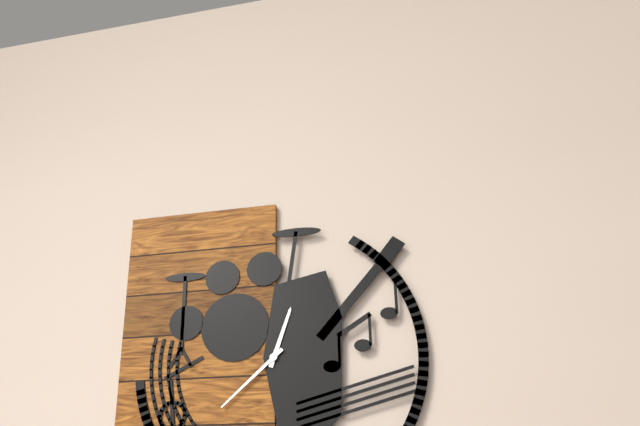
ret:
12:38
